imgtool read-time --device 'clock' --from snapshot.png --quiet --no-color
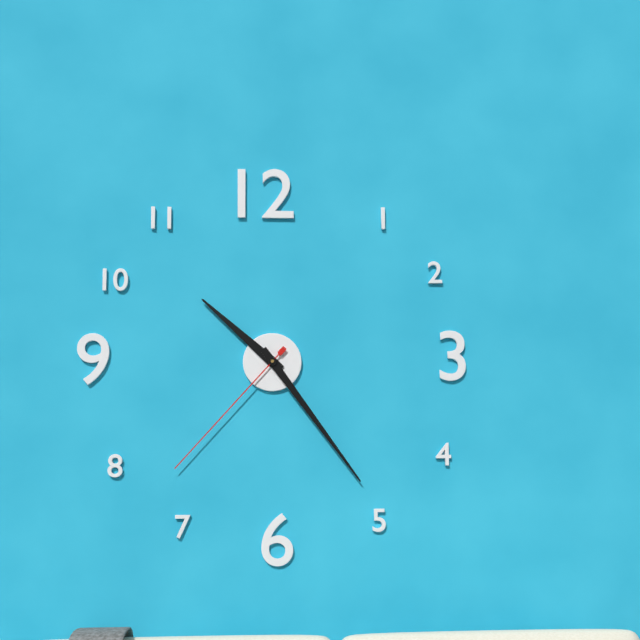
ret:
10:24:37
